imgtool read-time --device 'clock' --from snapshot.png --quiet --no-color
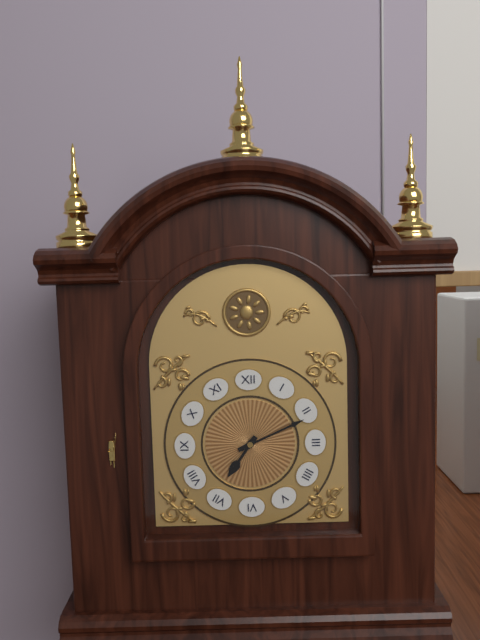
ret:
7:11
